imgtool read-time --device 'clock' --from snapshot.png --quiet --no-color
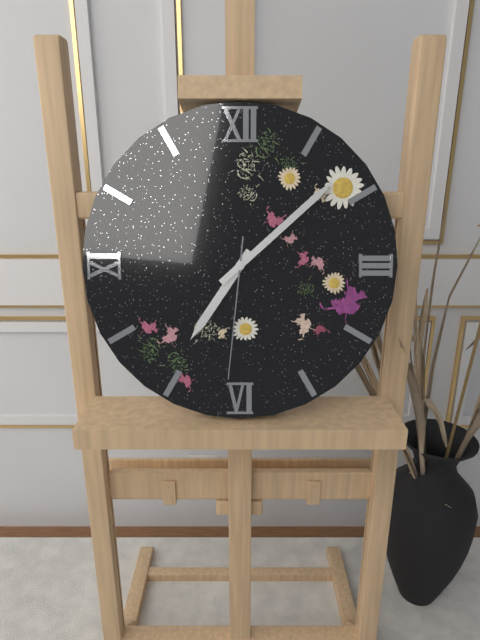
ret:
7:08:31
